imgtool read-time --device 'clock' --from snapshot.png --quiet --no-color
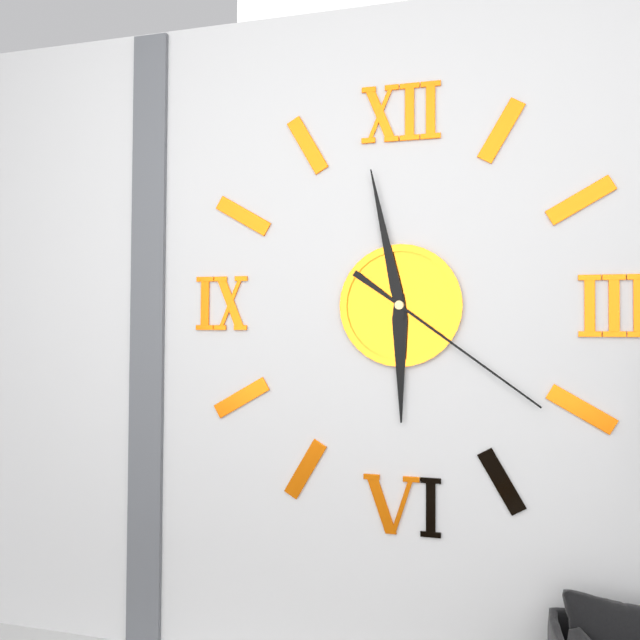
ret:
5:58:21
